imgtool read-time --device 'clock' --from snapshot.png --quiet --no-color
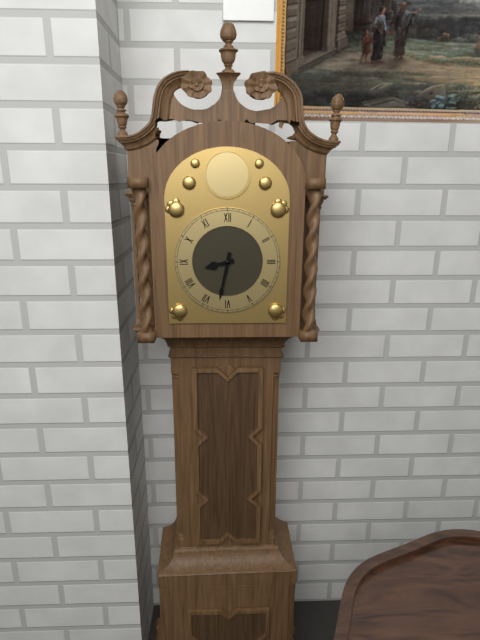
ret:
8:32
